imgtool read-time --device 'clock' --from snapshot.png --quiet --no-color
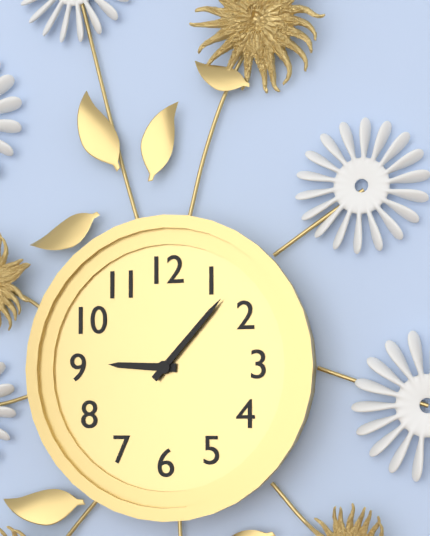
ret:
9:07
